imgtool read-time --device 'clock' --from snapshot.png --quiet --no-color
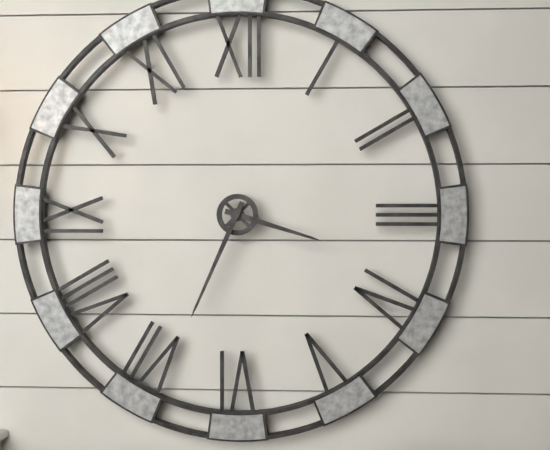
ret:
3:34
